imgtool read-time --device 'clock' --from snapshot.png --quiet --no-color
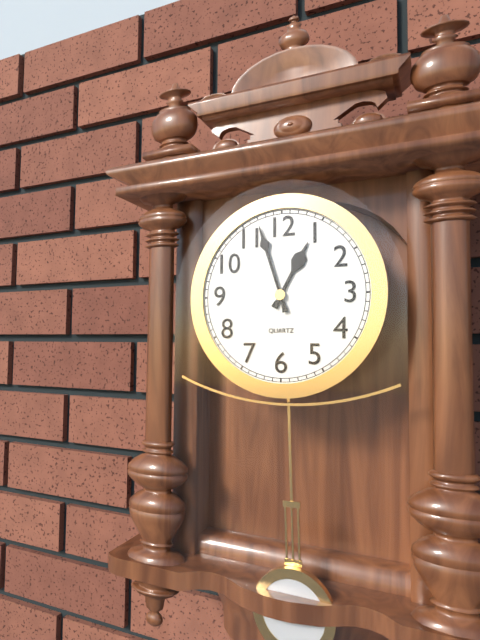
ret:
12:57
